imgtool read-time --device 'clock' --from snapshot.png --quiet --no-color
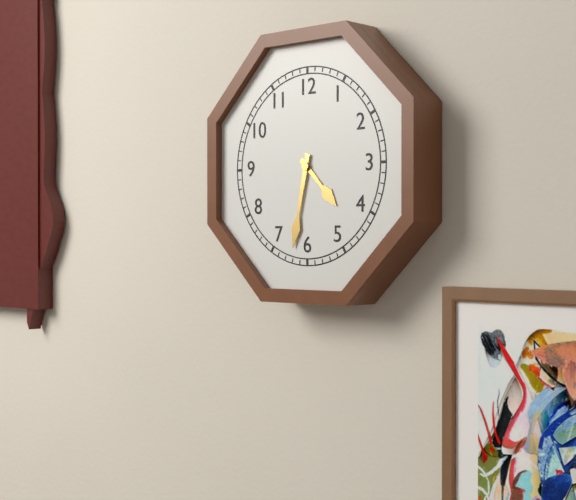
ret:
4:32
